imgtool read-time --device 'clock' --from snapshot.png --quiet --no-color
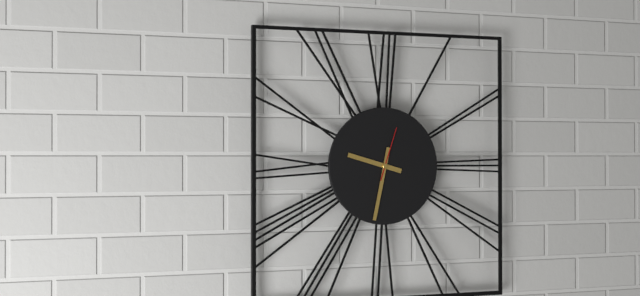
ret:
9:32:03
